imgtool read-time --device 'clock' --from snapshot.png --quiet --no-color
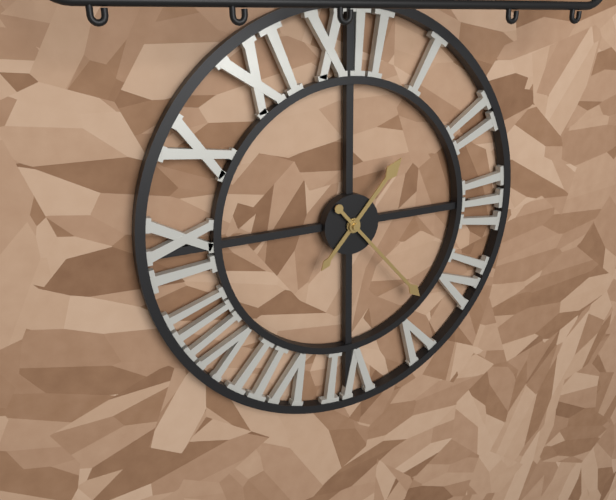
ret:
1:23
